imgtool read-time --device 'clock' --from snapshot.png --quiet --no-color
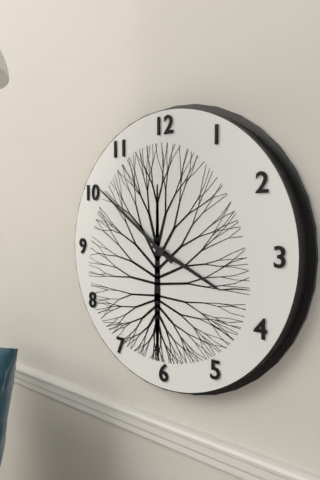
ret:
3:51
